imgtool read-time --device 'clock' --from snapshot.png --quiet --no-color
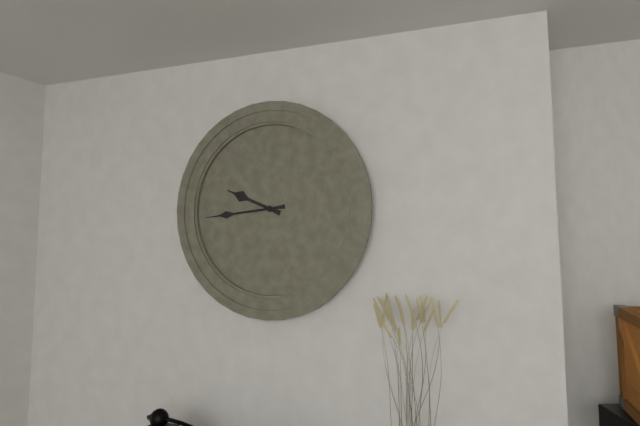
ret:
9:44
